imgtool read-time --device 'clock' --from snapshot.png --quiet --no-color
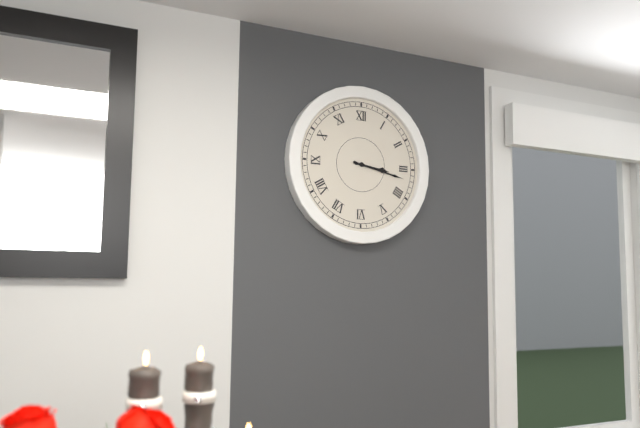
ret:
3:17
